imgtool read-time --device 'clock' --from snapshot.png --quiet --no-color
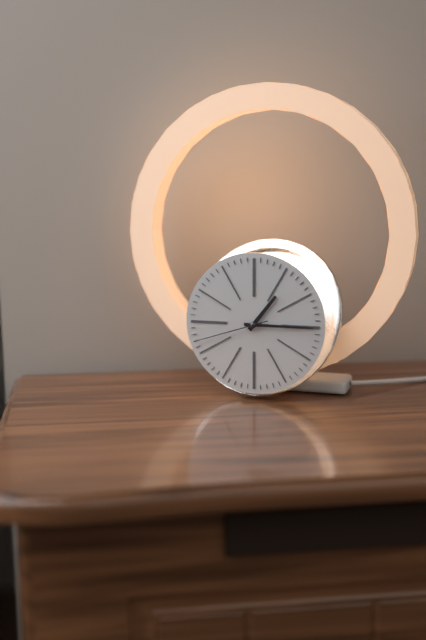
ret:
1:15:42
